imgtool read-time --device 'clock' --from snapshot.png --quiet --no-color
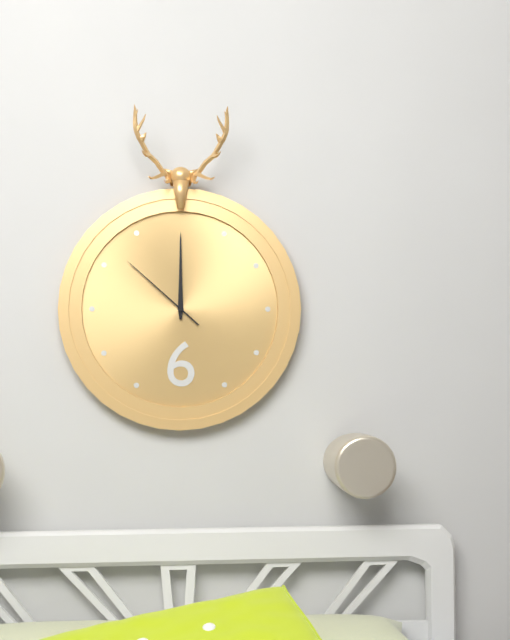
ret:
12:00:52
